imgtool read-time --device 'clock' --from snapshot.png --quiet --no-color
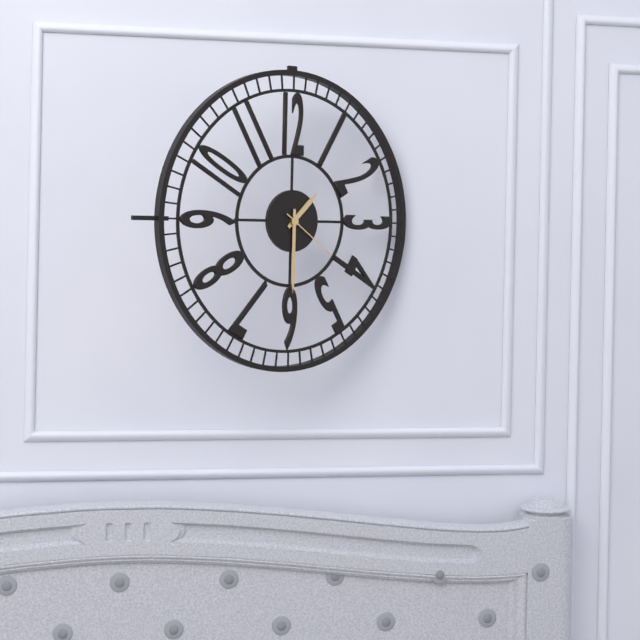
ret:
1:30:21
